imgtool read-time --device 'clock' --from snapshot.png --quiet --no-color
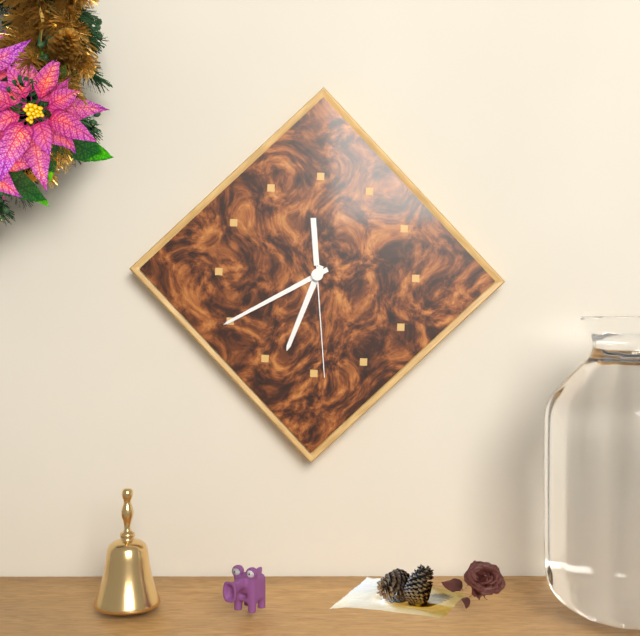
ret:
6:40:29
